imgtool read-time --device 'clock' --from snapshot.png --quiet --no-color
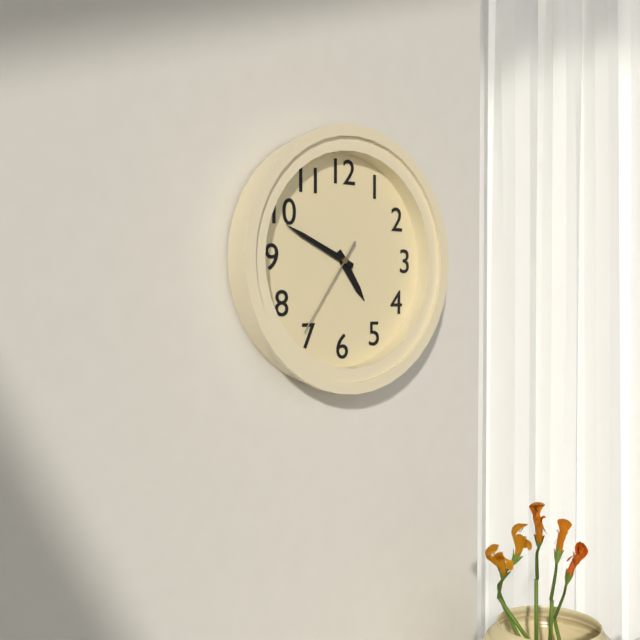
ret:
4:49:36
